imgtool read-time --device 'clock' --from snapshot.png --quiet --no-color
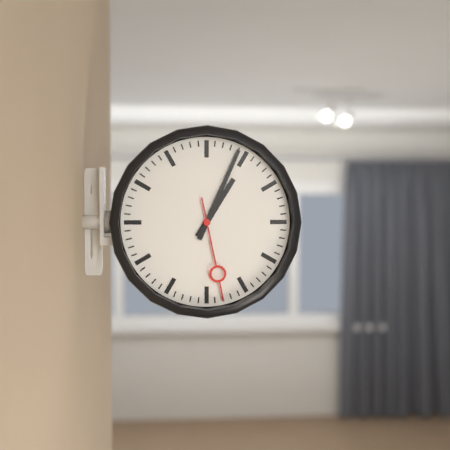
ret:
1:04:28
